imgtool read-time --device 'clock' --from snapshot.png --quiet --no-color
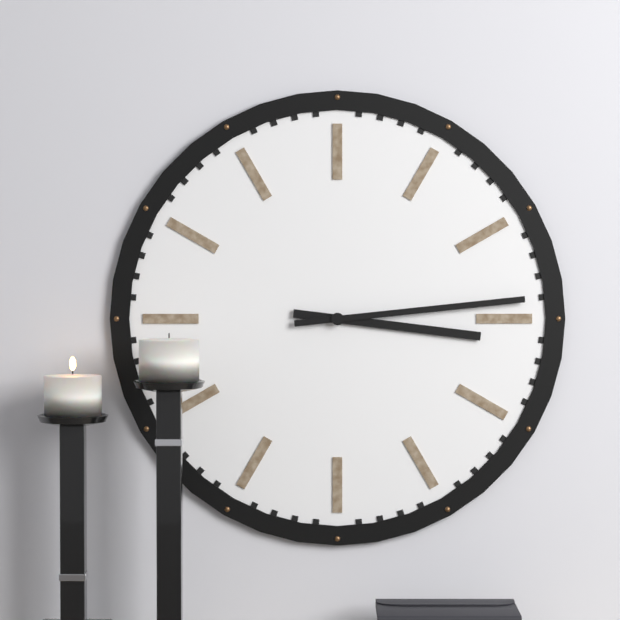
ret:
3:14
